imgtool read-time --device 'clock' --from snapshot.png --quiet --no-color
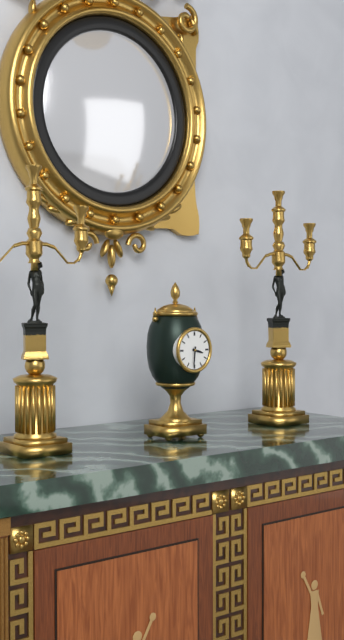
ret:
3:31
